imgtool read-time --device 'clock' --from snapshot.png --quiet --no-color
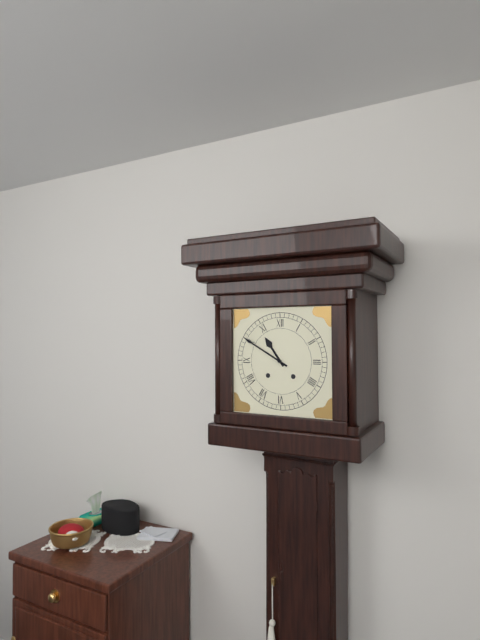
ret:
10:50
